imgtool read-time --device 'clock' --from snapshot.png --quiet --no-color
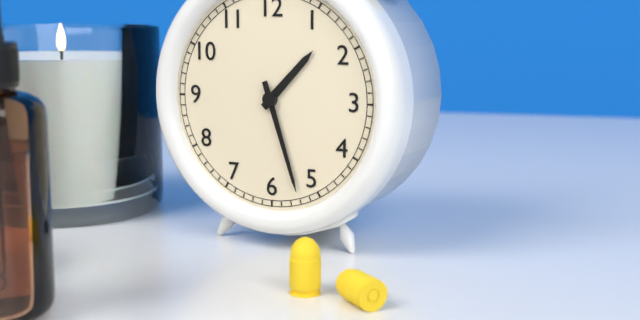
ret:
1:27
